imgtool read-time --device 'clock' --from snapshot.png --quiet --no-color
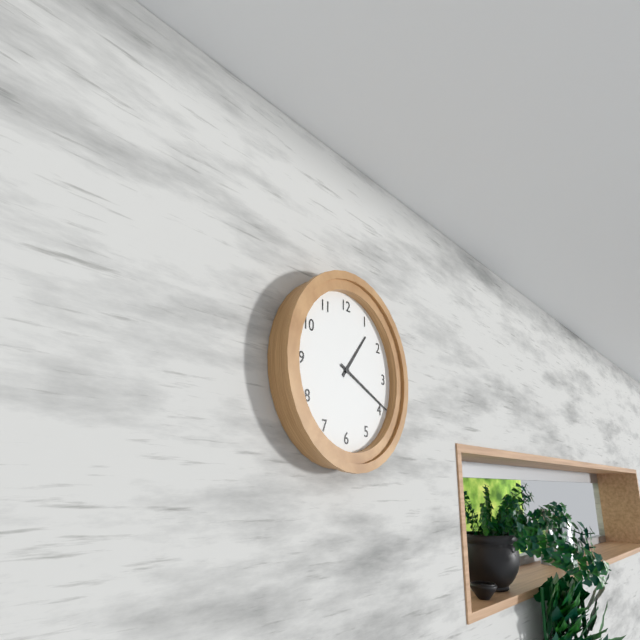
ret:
1:19
